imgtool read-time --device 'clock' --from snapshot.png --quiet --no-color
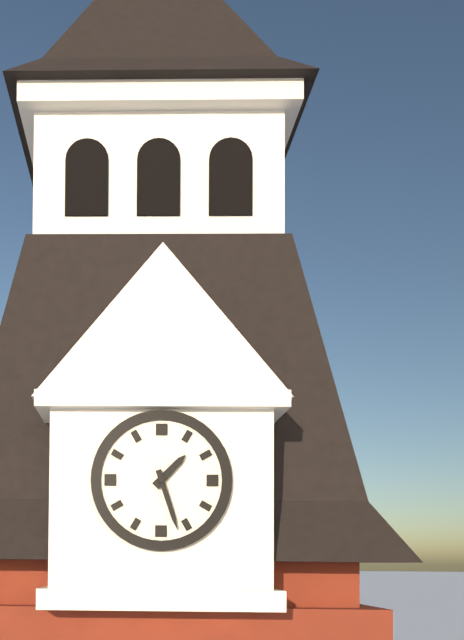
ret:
1:27
